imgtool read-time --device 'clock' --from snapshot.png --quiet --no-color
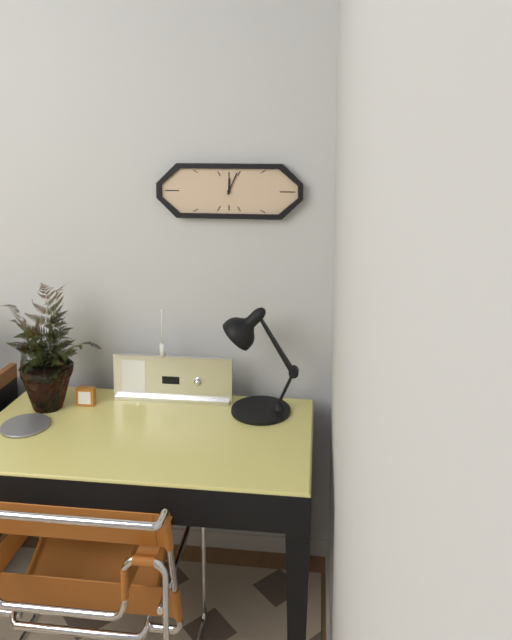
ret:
12:04
